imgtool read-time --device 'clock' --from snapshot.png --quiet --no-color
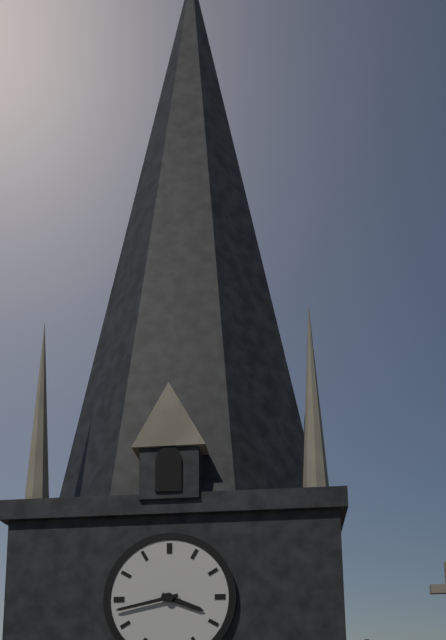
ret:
3:43
